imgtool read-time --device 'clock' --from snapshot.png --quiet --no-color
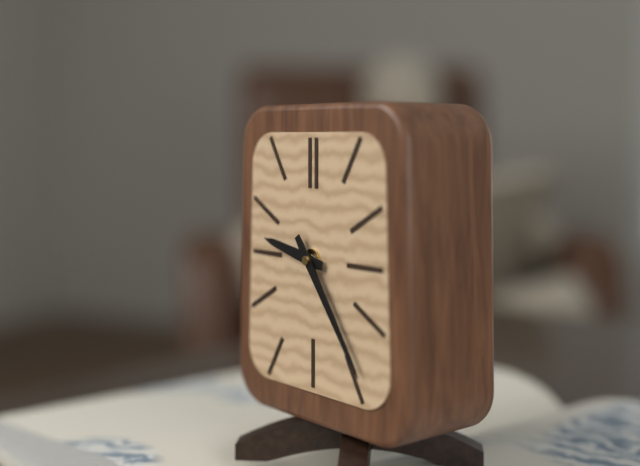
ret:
9:24
